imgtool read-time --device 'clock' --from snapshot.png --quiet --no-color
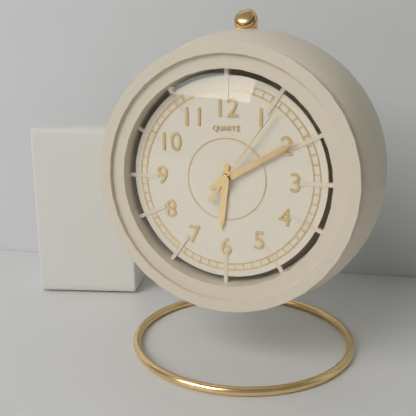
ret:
6:10:06
